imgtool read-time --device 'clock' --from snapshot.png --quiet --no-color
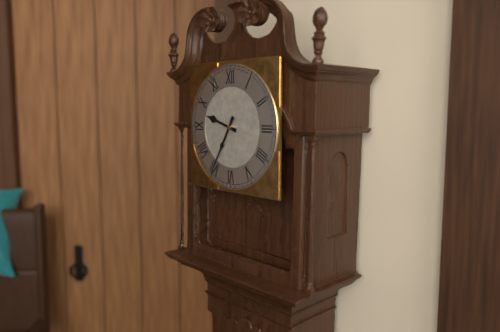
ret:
9:35
